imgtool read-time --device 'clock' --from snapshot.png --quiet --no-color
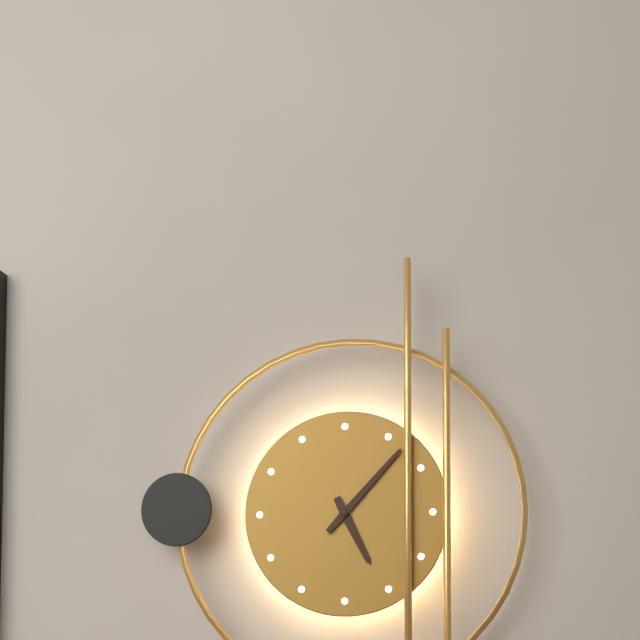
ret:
5:07
